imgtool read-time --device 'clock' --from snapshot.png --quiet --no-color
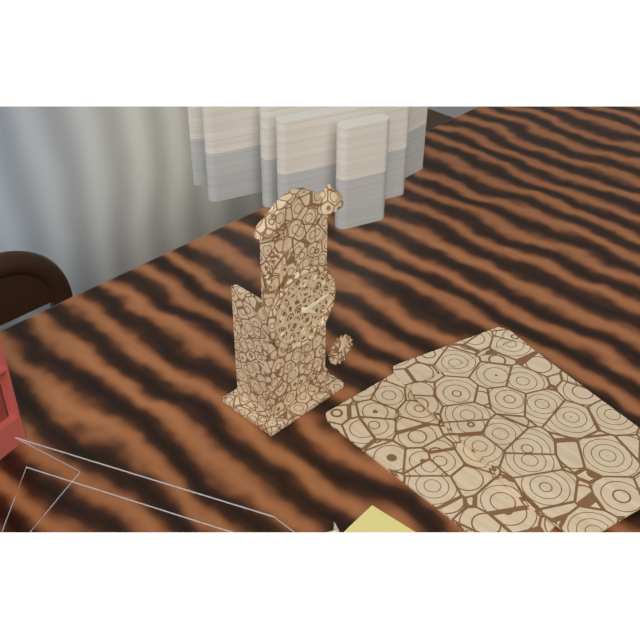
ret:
4:14
